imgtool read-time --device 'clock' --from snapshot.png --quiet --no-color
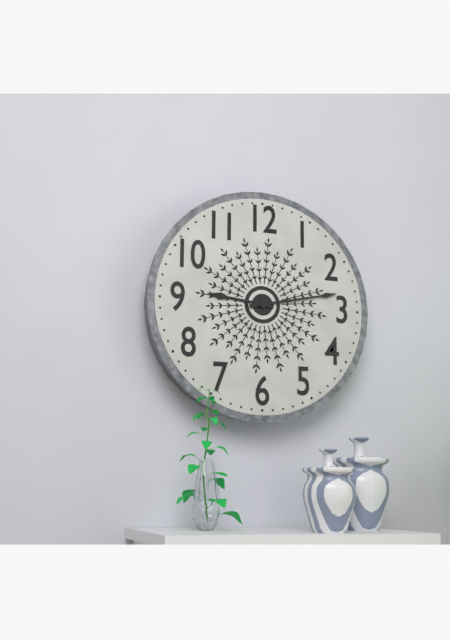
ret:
9:13
